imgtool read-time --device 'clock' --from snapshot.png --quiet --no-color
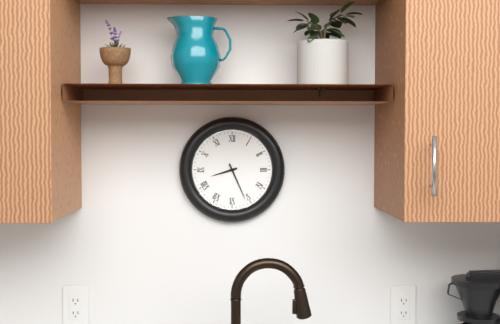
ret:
8:26
